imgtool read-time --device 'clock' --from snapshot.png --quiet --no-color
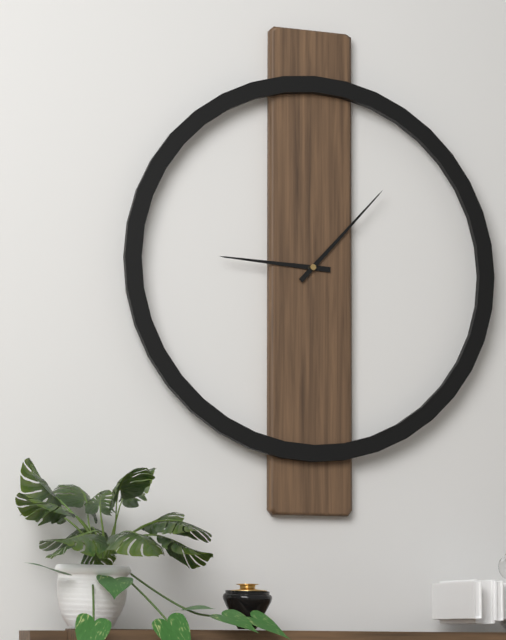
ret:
9:07
